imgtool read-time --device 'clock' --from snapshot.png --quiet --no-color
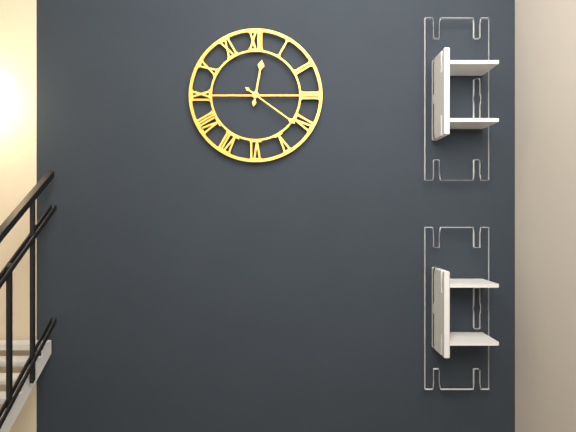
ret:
12:21
